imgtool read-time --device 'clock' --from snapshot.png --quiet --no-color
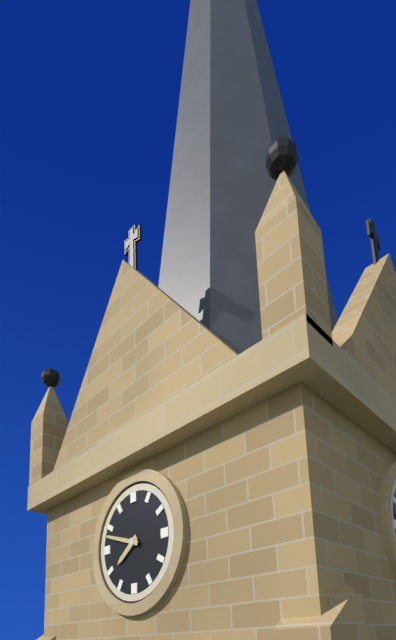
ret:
7:48
